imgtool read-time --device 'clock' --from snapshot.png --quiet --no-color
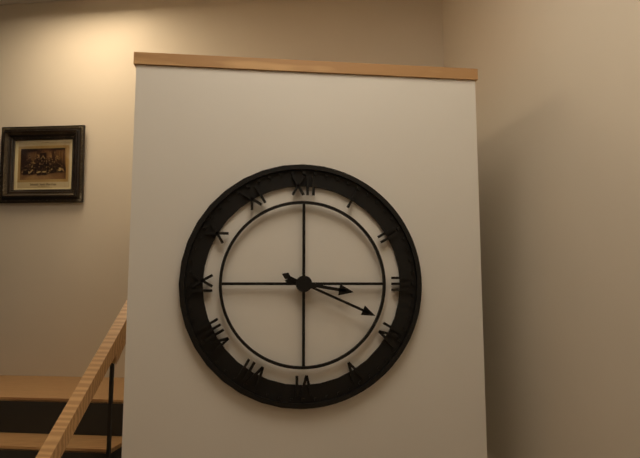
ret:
3:19
